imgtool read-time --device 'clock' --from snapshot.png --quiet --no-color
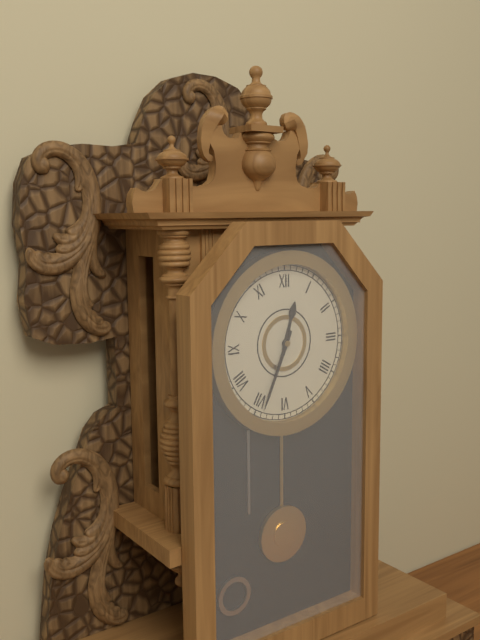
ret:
12:34
